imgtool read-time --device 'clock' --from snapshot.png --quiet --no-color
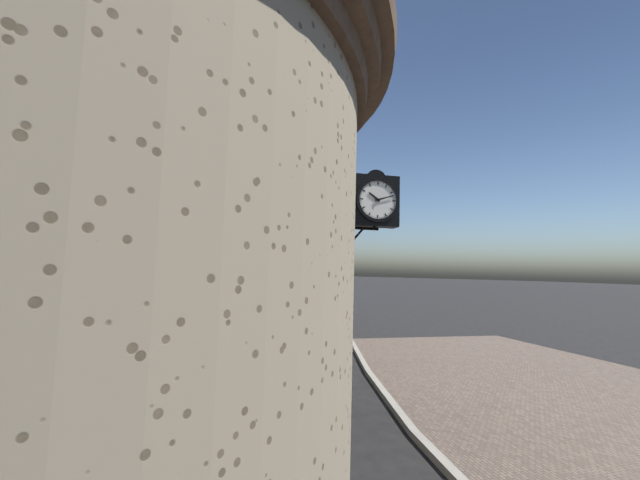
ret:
10:12
